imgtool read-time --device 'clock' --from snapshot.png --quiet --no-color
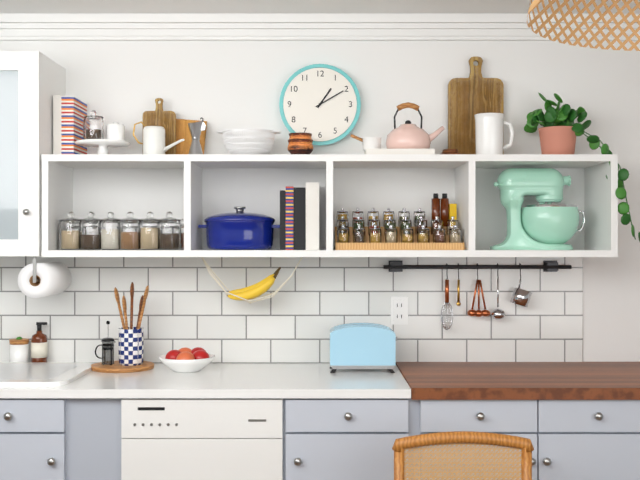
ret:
1:10
